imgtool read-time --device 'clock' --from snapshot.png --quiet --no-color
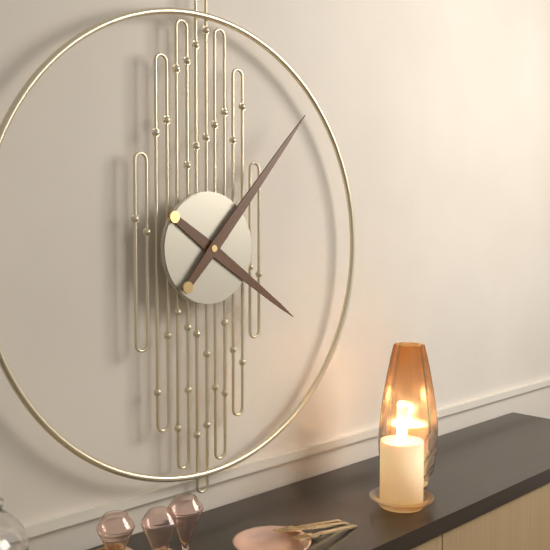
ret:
4:07
